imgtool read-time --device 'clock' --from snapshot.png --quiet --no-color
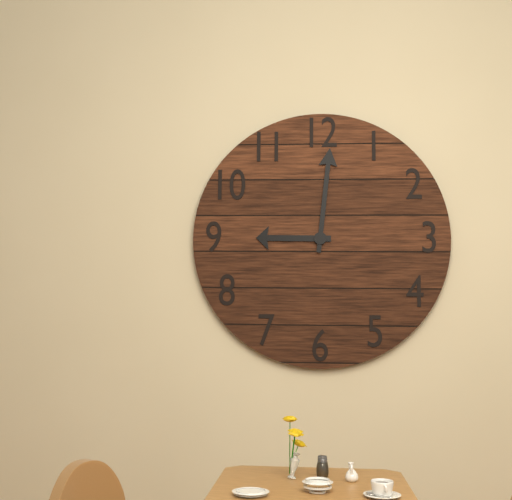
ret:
9:01
